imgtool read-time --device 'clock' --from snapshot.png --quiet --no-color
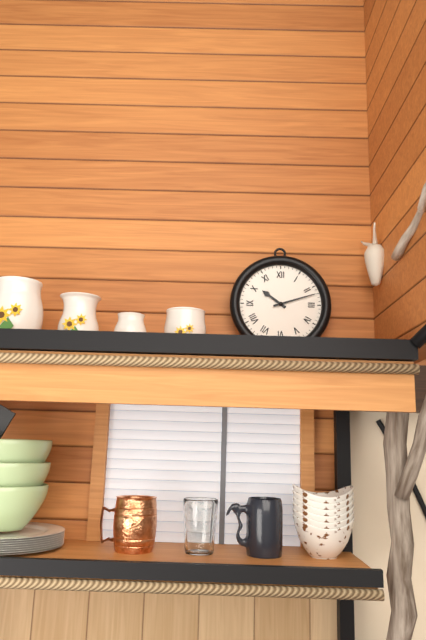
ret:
10:12
